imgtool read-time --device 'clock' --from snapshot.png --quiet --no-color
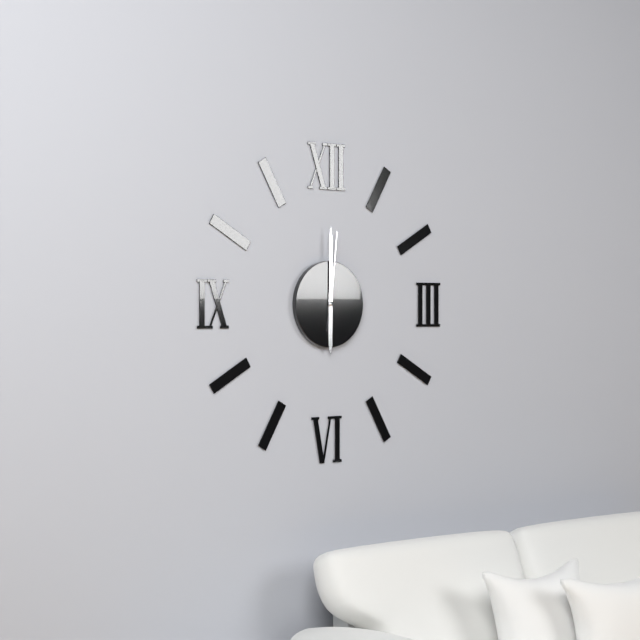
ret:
6:00:01
